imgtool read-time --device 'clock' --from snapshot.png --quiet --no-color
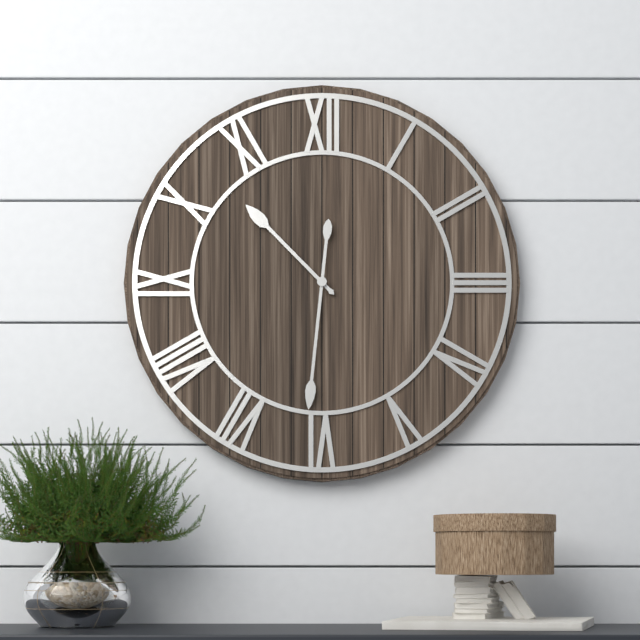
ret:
10:31
